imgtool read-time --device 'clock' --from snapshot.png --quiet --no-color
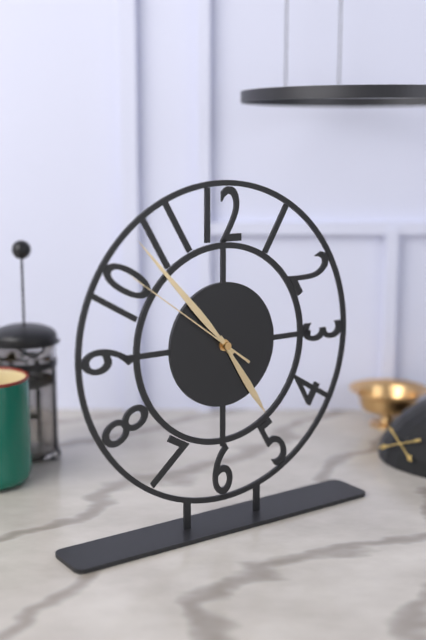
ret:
4:53:51
